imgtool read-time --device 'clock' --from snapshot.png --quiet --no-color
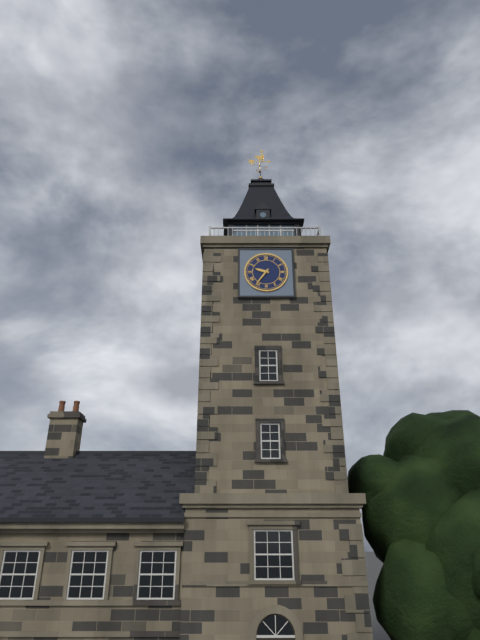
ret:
9:36
